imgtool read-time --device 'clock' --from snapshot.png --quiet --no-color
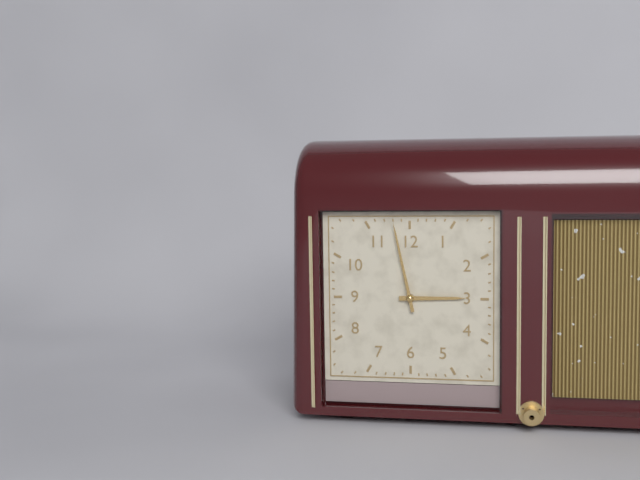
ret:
2:58
